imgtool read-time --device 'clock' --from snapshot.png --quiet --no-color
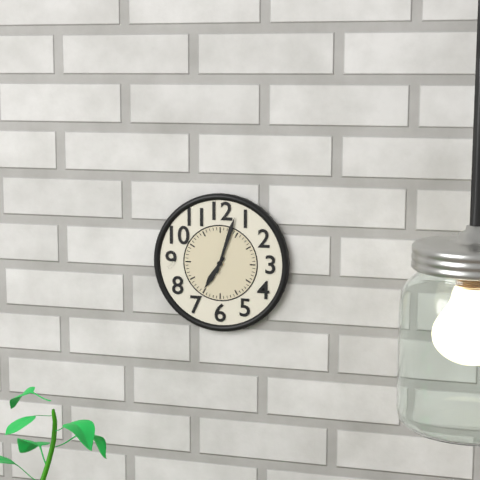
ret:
7:03
